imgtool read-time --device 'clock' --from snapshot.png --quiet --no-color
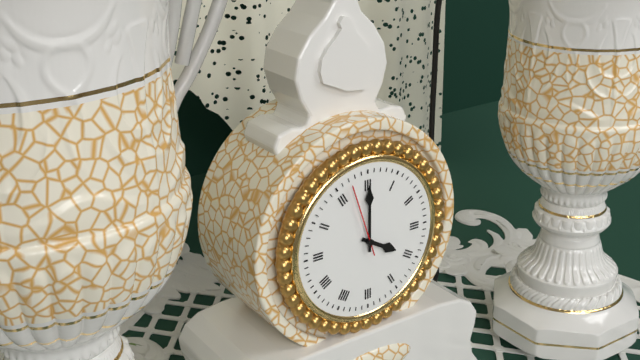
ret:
4:00:57
